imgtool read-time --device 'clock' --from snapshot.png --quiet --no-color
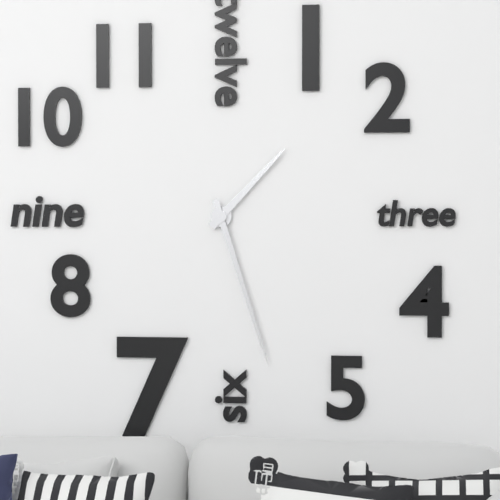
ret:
1:27
